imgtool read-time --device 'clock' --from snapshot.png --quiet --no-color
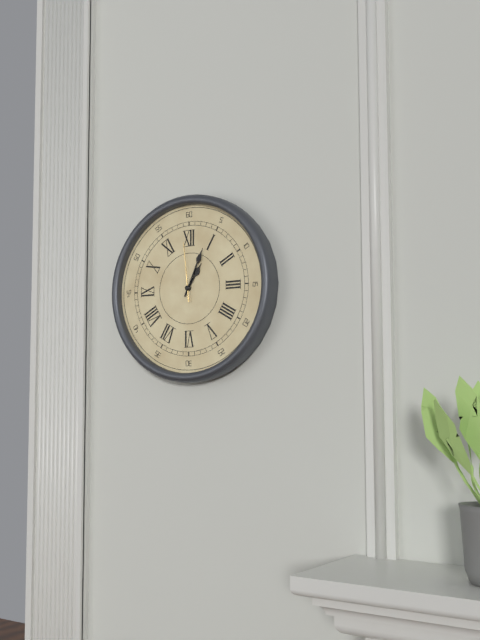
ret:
1:04:59
